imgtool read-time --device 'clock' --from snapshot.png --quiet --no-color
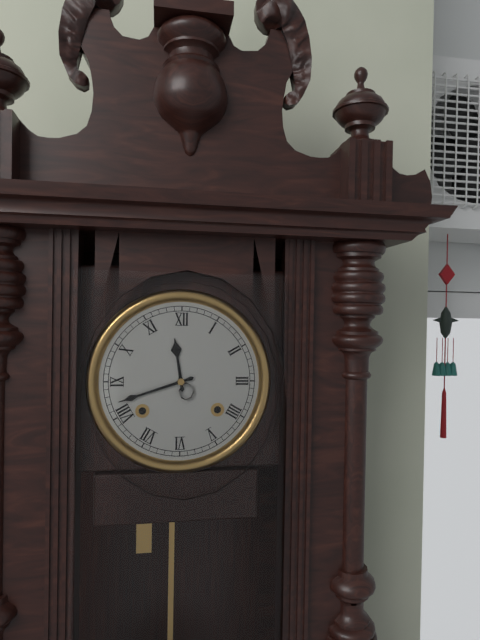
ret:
11:42
